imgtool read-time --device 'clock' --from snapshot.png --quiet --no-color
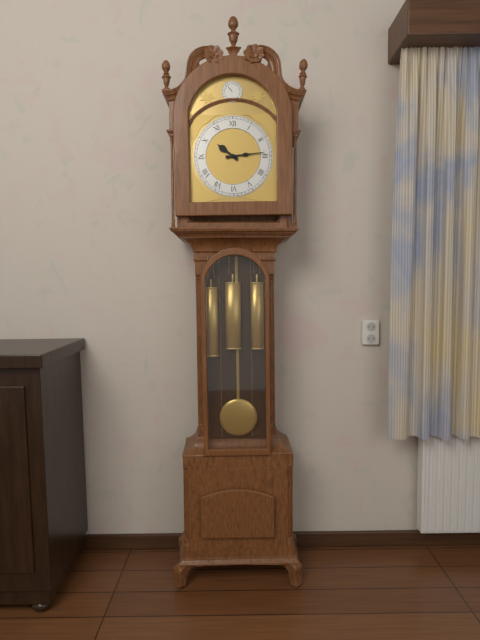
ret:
10:14
